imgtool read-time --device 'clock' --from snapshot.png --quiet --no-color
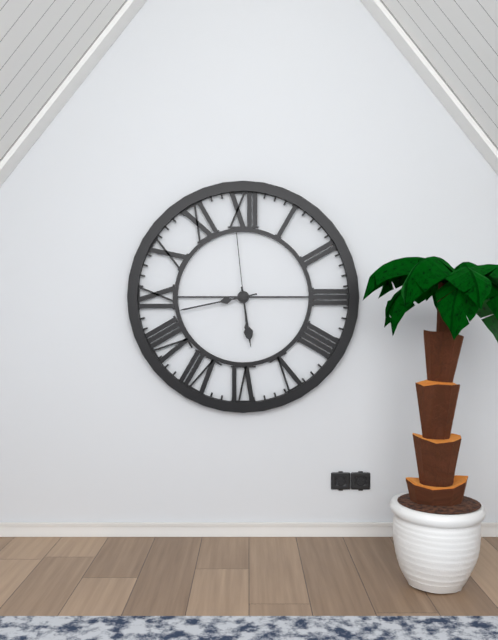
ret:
5:43:59
